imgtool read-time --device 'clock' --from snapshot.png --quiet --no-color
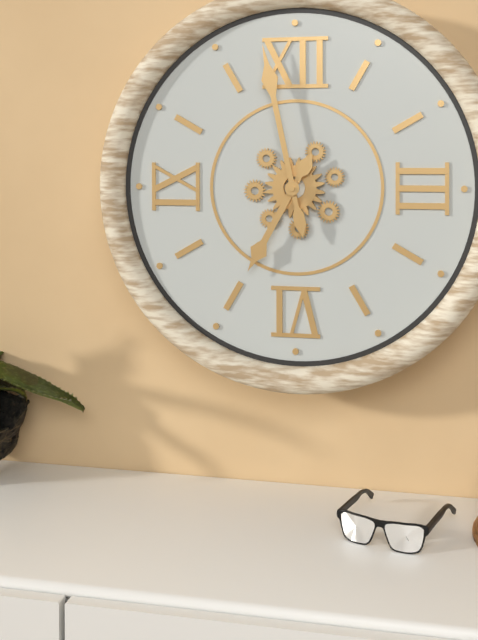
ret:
6:58
